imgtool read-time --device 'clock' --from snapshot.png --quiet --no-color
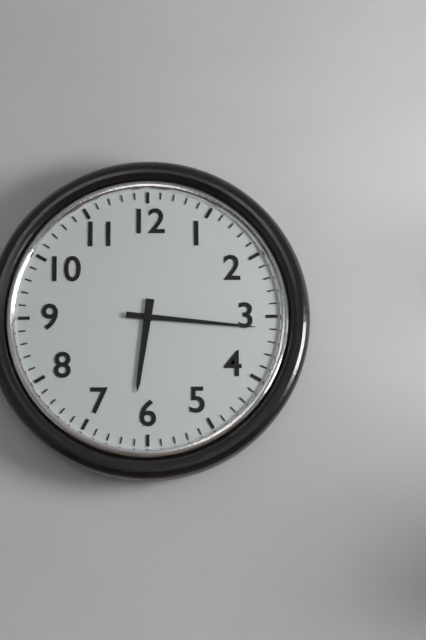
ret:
6:16
